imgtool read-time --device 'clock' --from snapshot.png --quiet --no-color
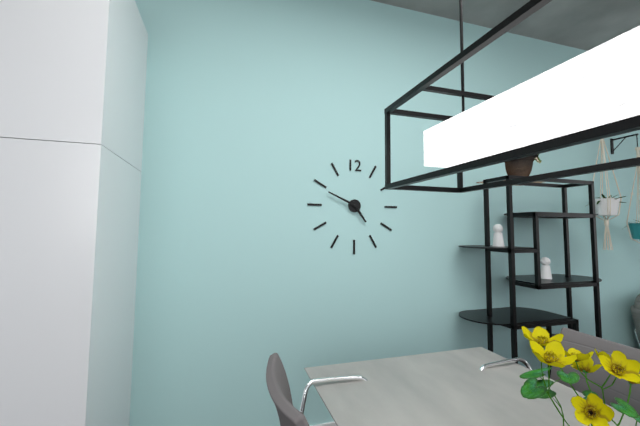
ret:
4:49
